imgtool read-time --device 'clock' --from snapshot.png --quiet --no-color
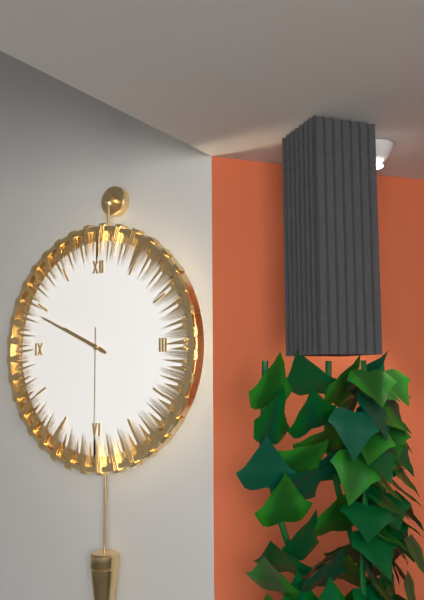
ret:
9:49:30
